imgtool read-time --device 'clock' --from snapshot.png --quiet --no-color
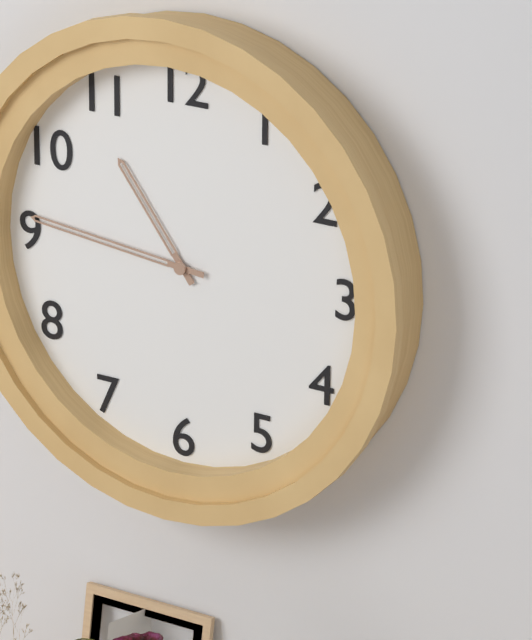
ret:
10:46
